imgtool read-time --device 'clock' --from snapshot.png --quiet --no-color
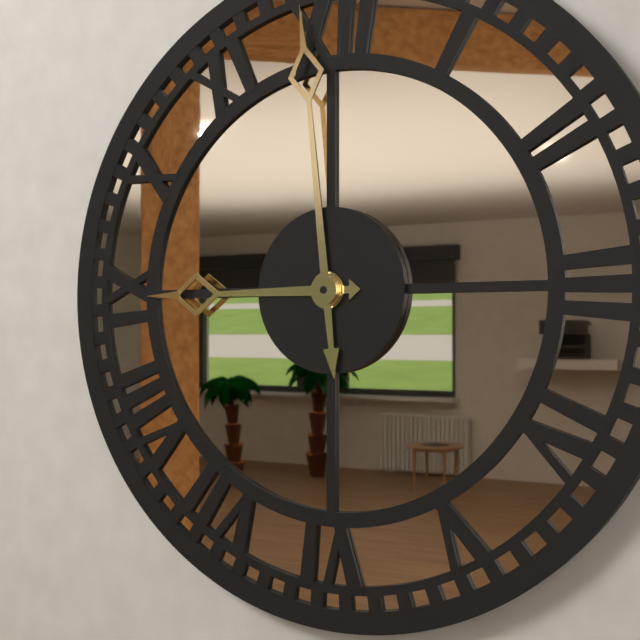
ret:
8:59
